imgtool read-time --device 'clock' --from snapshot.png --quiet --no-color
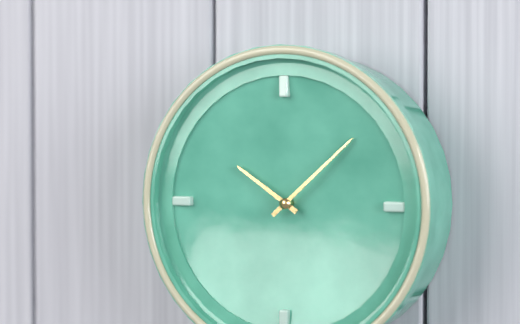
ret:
10:08
